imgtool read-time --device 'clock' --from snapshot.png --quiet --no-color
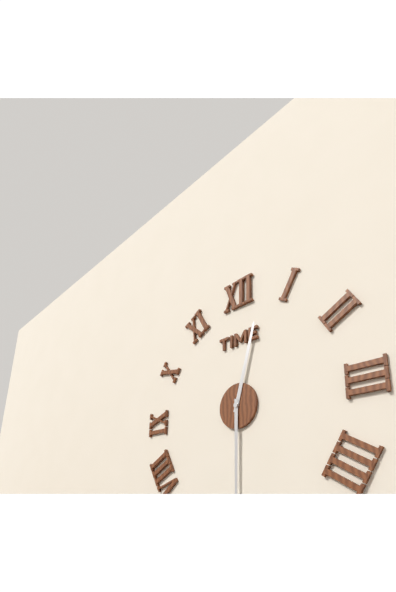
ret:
12:30
